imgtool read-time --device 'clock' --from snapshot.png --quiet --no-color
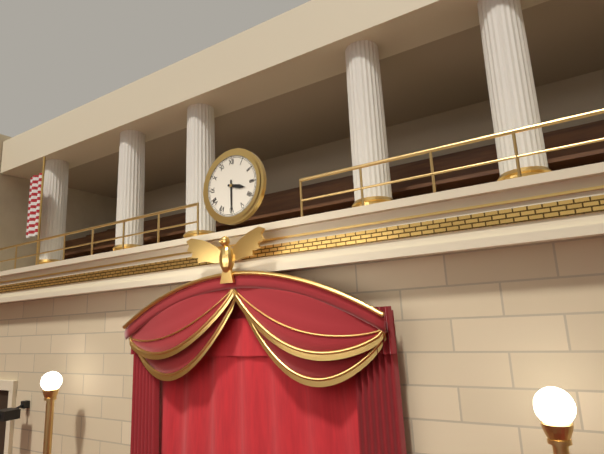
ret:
3:30
